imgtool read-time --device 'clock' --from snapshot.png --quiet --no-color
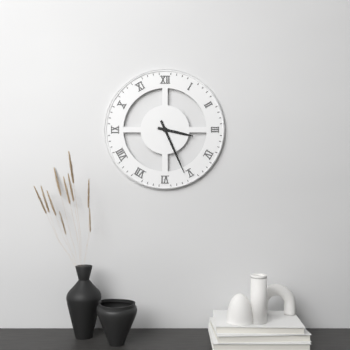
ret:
3:26
